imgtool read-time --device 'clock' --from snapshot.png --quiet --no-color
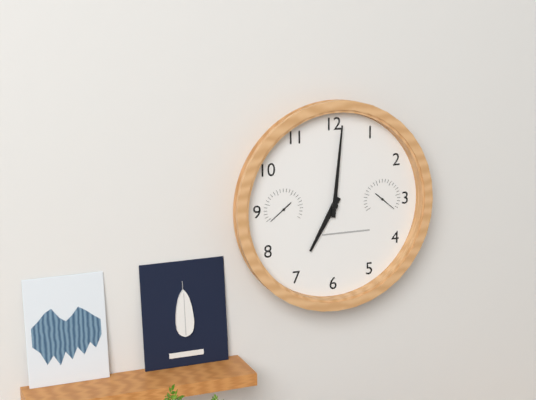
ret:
7:01
